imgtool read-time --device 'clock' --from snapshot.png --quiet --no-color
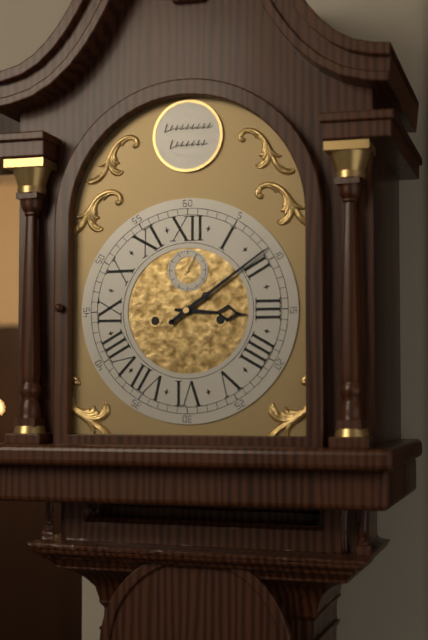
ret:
3:09
